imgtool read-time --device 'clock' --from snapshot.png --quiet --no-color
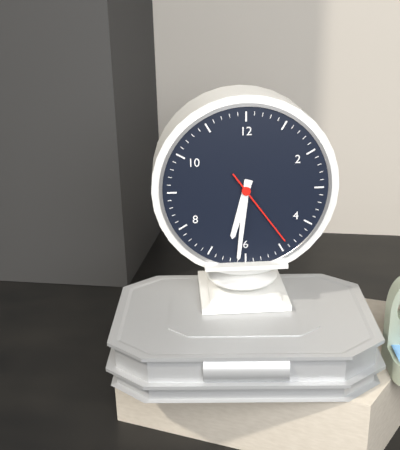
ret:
6:31:24
